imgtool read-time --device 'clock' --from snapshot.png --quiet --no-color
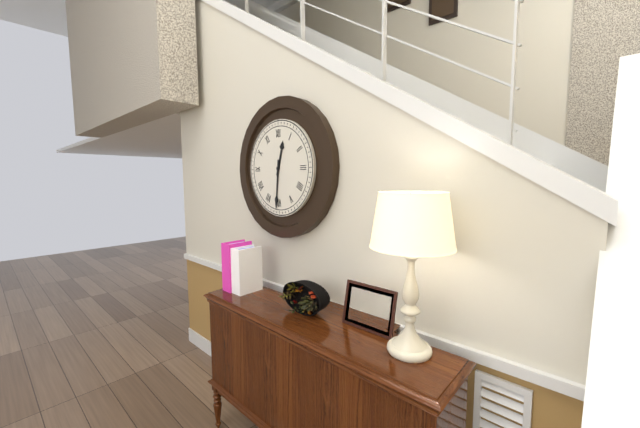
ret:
12:31
